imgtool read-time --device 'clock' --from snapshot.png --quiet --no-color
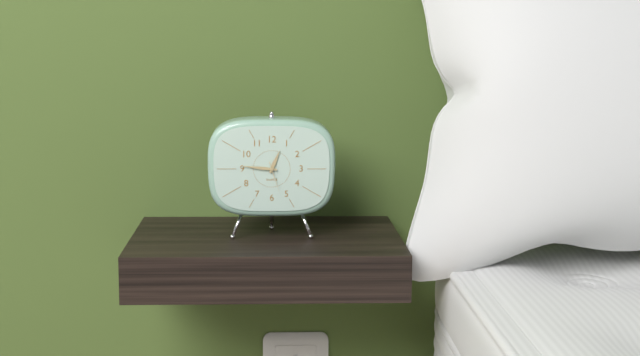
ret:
12:46
